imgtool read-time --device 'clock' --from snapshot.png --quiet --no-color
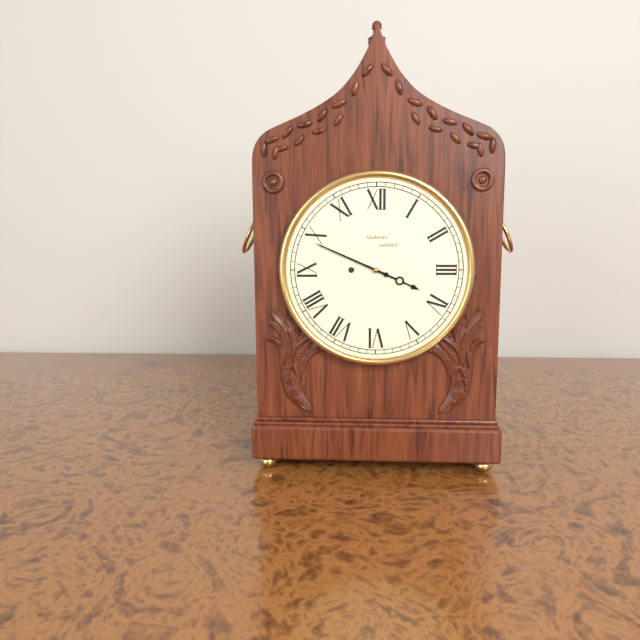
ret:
3:49
